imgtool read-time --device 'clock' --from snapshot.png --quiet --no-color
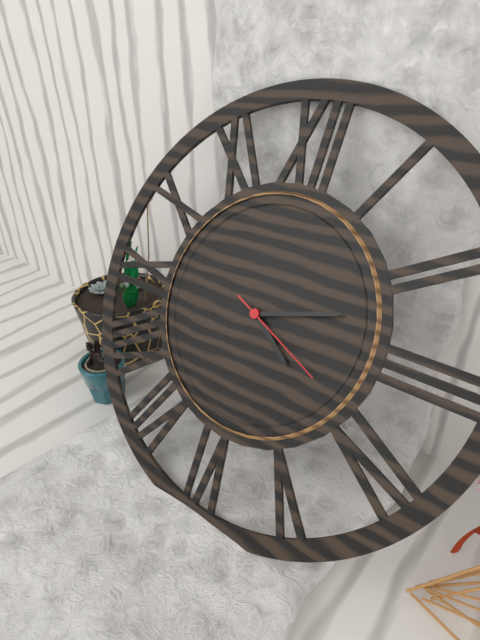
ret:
4:12:19
